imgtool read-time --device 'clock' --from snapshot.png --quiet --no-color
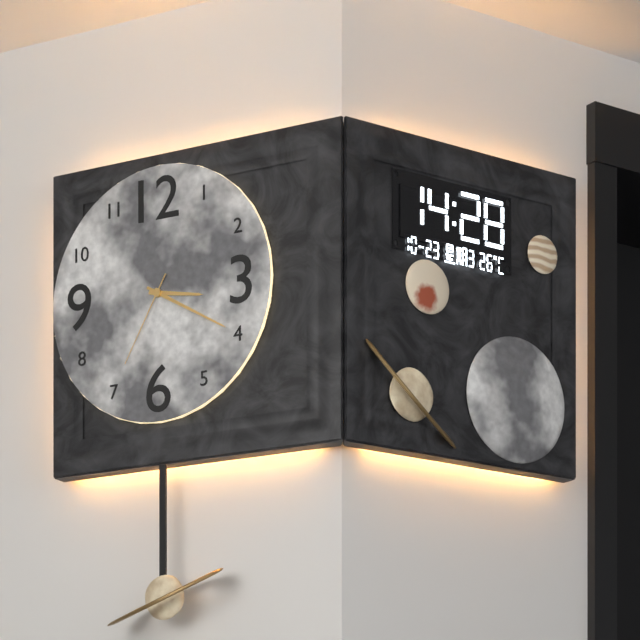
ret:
3:20:35
